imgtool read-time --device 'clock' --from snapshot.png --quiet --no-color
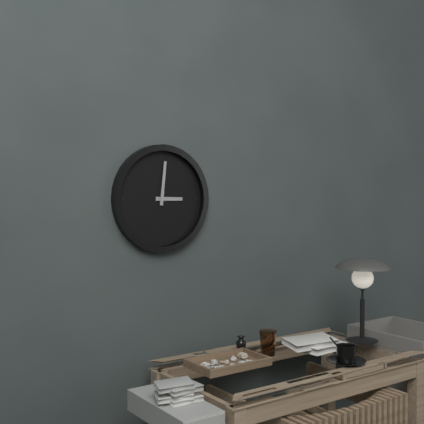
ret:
3:01
